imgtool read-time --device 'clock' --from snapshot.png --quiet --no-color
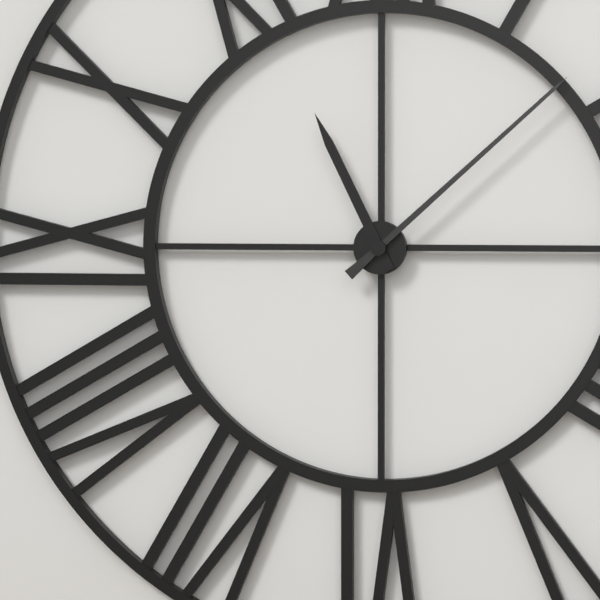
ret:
11:08
